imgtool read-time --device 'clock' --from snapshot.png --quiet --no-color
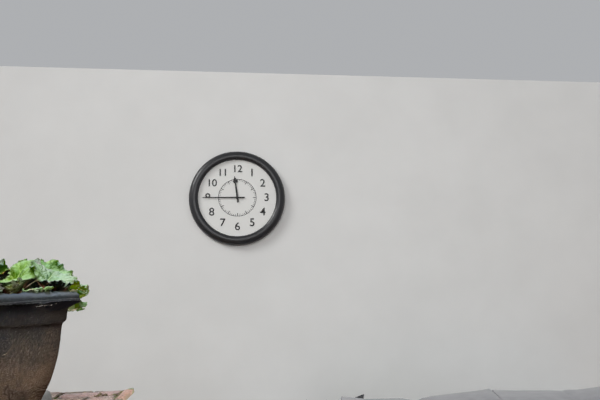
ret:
11:45
